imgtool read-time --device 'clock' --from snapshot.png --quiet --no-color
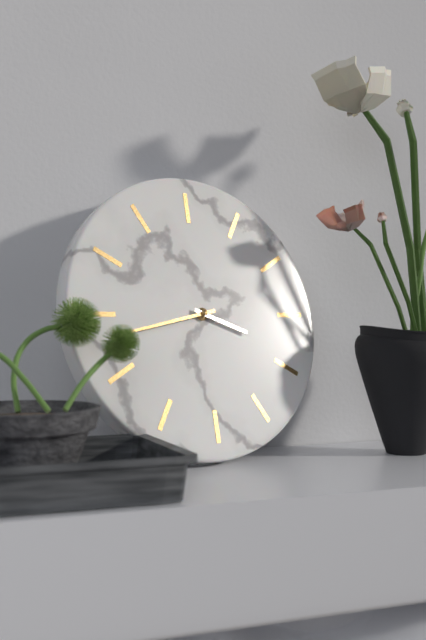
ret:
3:43
